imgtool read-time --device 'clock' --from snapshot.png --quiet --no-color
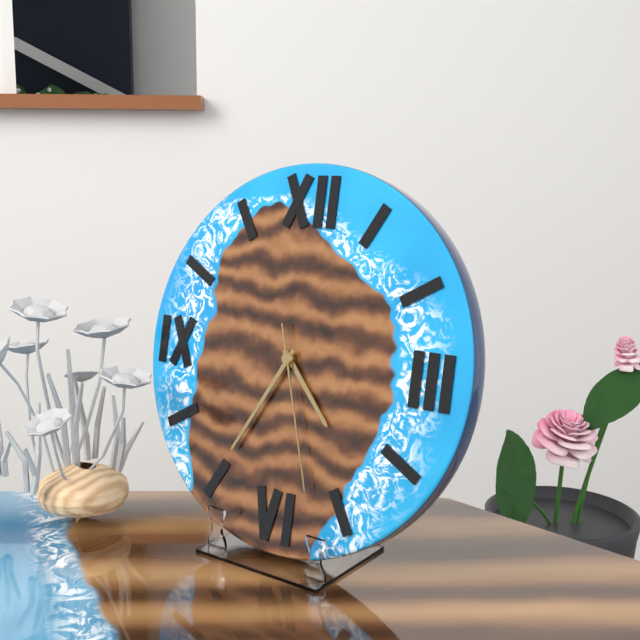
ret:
4:35:27
